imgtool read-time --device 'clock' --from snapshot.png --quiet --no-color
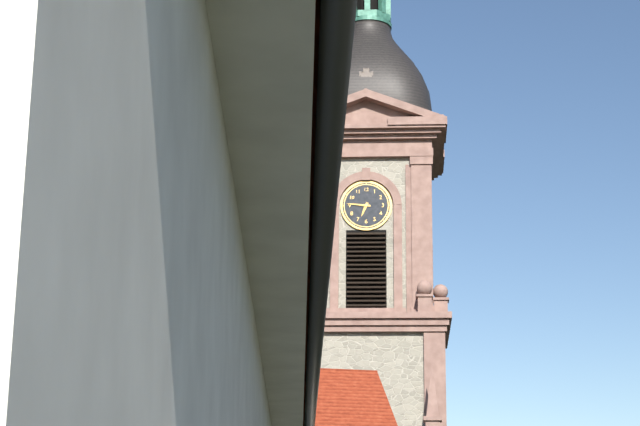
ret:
6:46
